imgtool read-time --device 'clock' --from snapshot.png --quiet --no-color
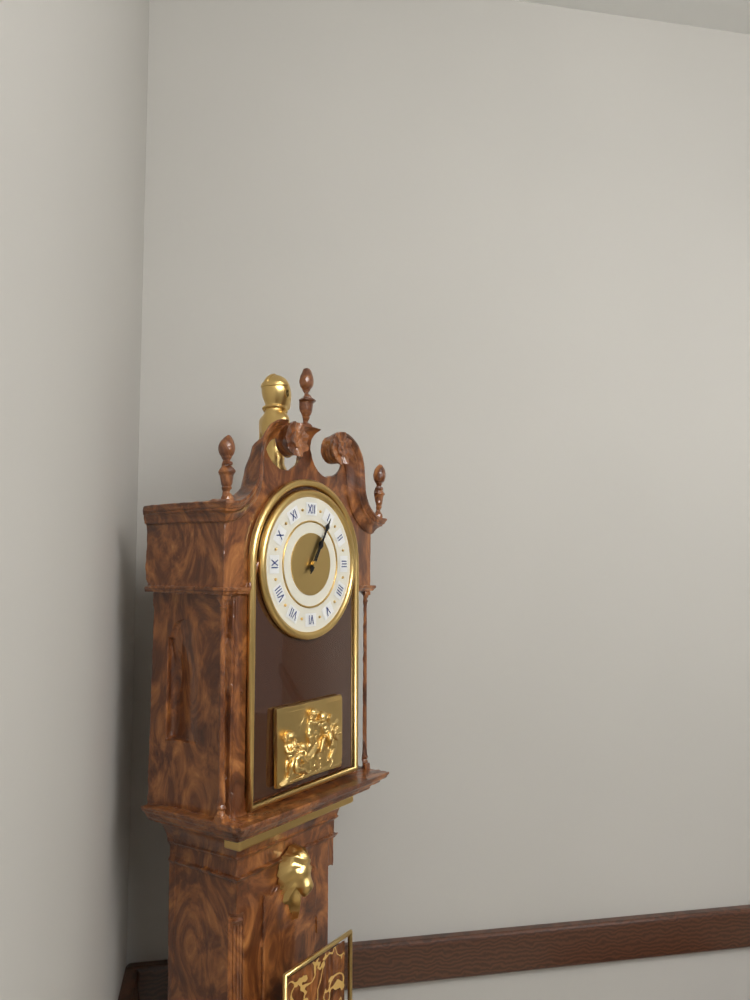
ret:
1:05
